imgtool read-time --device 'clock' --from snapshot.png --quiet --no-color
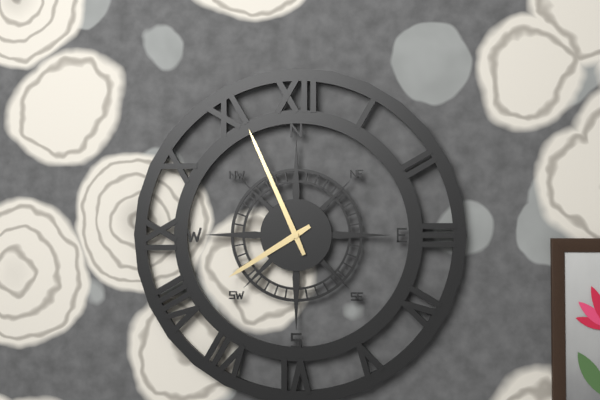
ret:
7:56
